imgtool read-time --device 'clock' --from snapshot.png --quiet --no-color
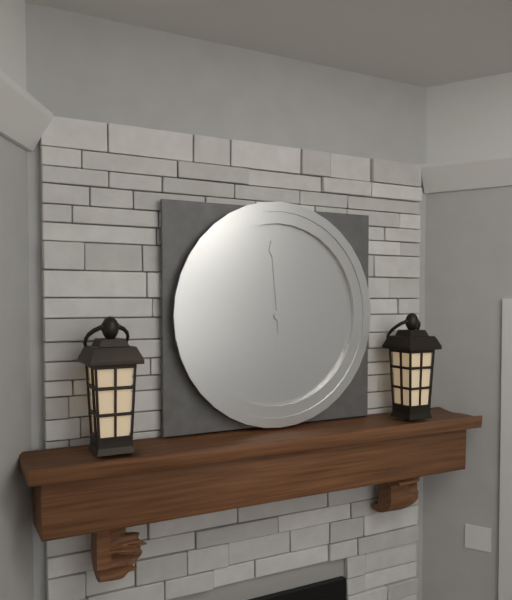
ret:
5:59
